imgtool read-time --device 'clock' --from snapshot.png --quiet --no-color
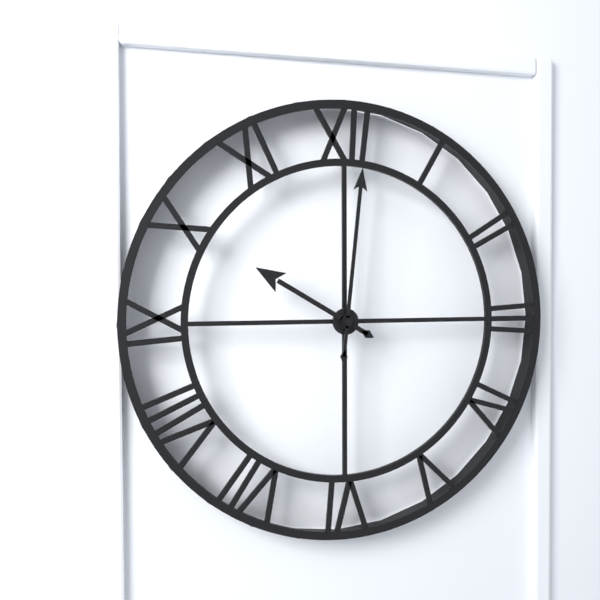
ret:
10:01
